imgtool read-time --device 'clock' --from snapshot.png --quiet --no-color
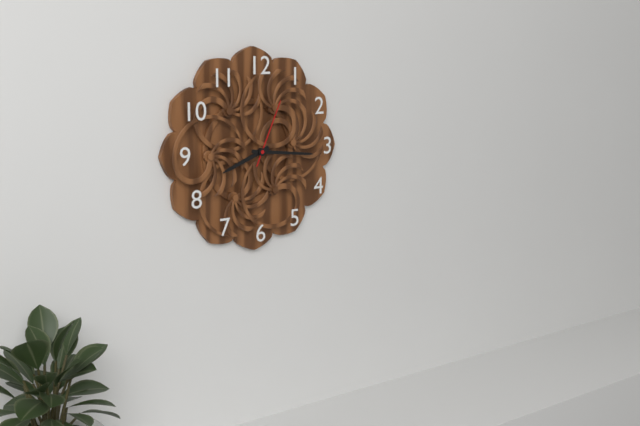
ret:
8:16:04
